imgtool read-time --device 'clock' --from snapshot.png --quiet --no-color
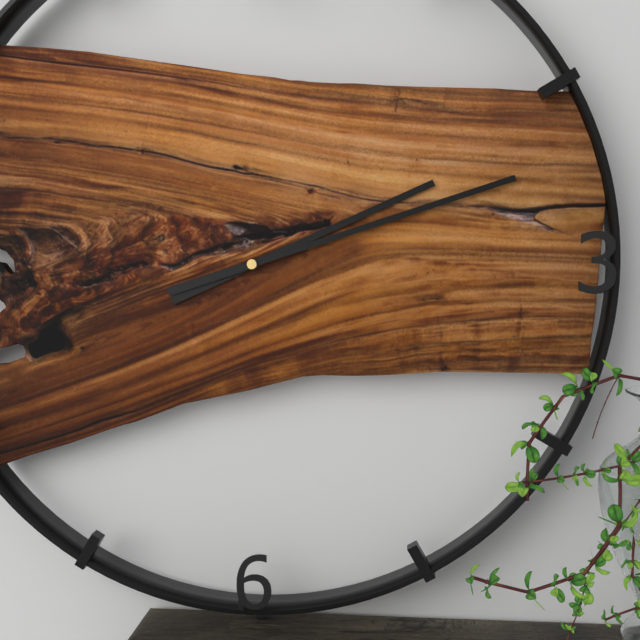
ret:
2:12
